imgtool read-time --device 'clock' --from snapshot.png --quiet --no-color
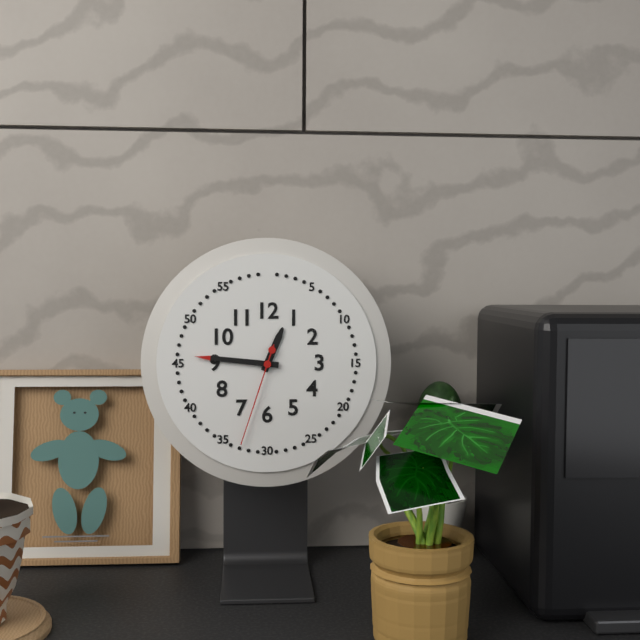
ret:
12:46:33
